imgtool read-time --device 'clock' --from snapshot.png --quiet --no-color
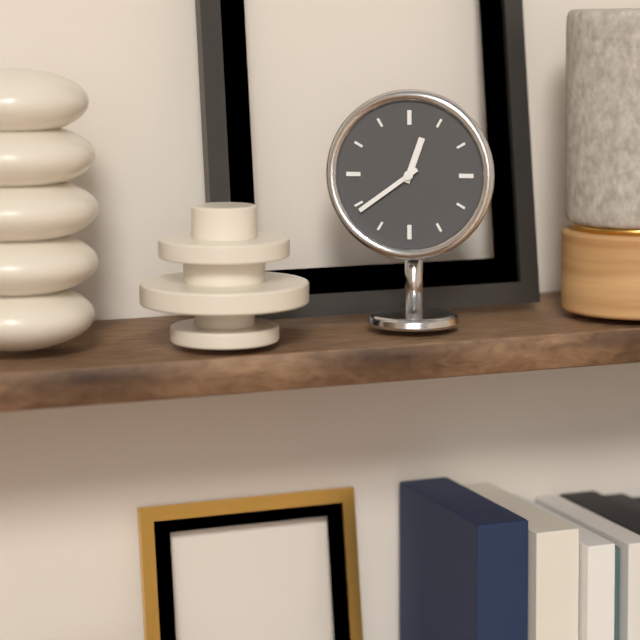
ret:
12:39
